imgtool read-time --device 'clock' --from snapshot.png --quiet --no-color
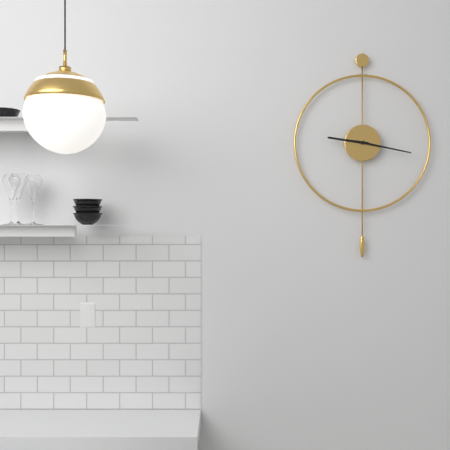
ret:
9:17
